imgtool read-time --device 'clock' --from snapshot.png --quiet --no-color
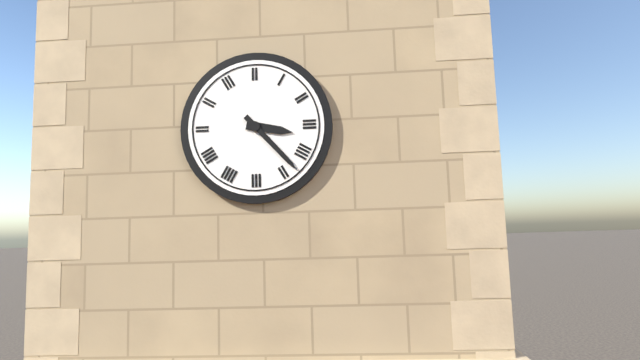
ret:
3:23
